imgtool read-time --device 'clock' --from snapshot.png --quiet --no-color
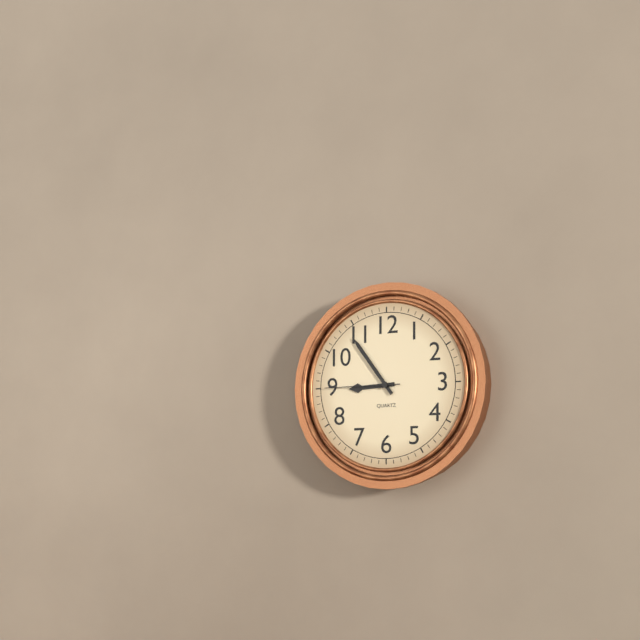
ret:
8:54:45
